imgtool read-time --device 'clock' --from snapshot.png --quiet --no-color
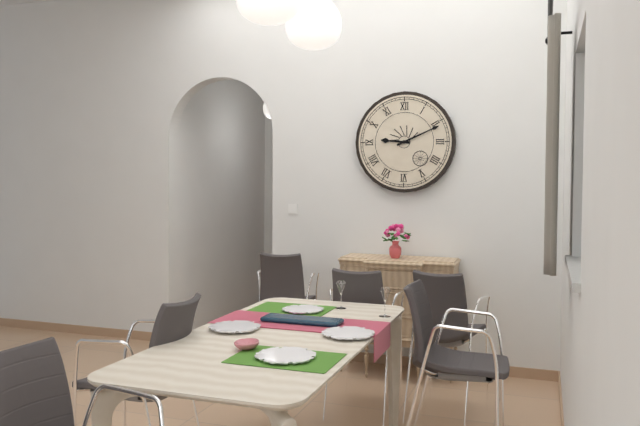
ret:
9:11
